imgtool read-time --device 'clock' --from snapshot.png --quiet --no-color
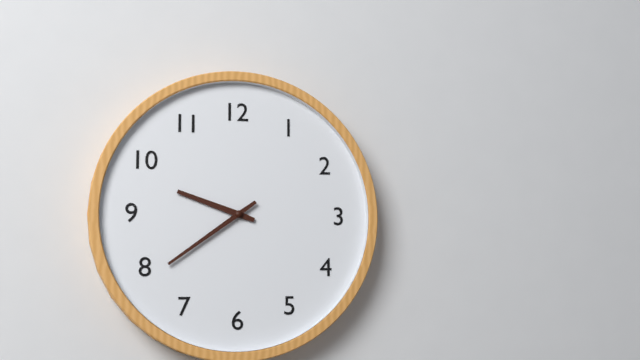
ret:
9:39
